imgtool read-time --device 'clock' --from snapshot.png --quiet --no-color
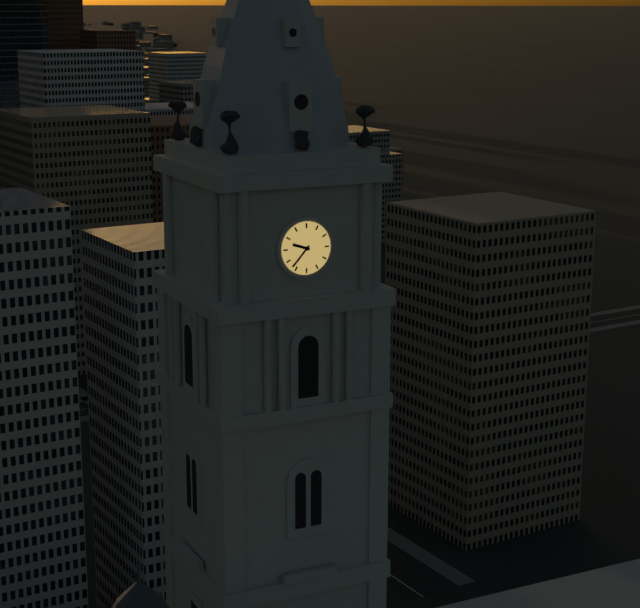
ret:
9:37
